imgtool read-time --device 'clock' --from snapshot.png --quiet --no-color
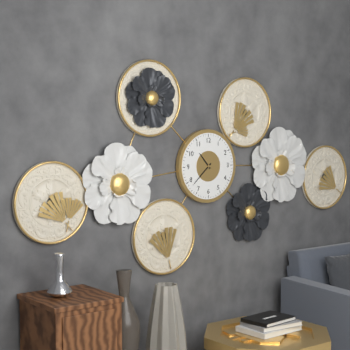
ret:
10:38
